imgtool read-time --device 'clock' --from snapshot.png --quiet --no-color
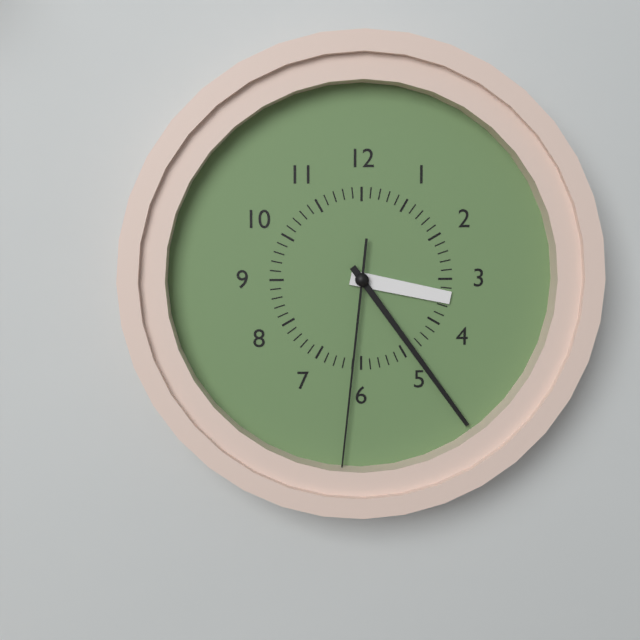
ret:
3:24:31
